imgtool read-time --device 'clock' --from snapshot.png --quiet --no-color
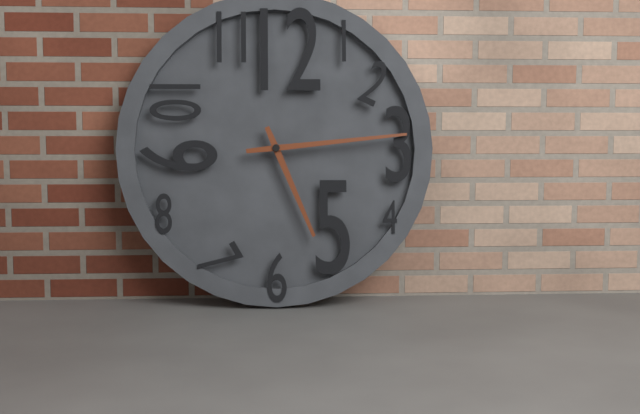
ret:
5:14
